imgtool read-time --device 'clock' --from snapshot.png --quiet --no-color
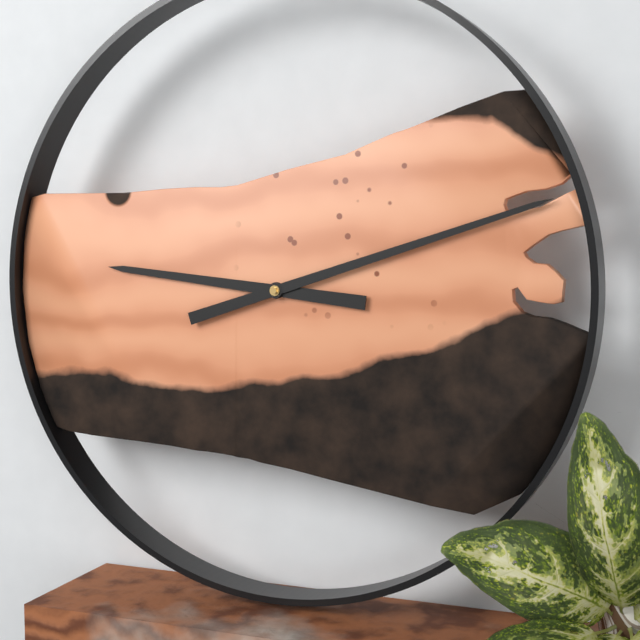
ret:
9:12
